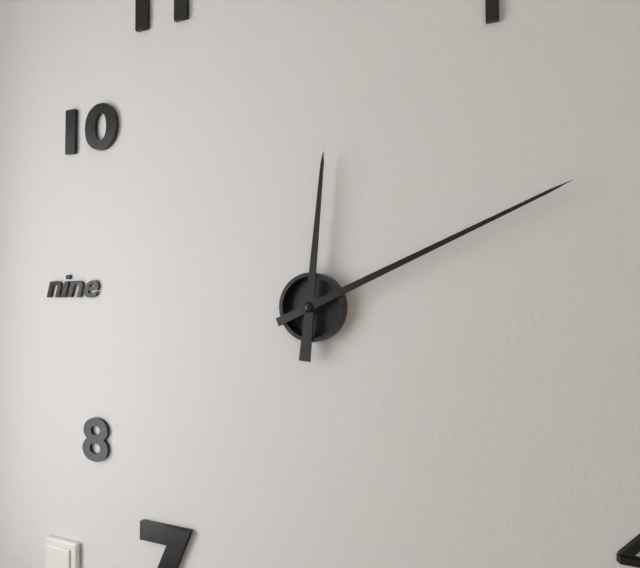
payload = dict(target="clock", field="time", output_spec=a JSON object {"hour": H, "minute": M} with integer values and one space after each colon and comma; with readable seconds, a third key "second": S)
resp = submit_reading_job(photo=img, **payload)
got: {"hour": 12, "minute": 11}
